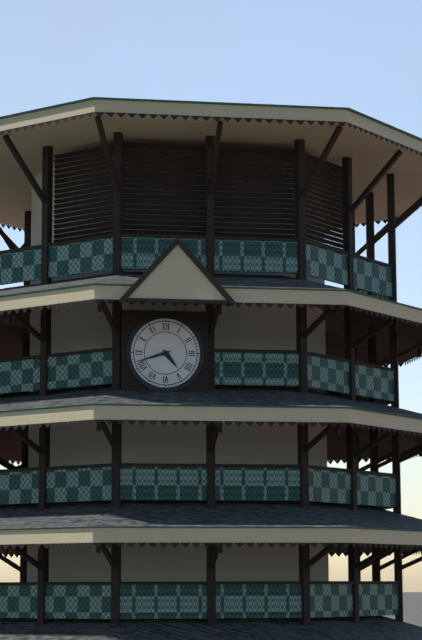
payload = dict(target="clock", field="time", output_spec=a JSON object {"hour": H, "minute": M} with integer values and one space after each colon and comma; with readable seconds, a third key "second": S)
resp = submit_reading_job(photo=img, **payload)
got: {"hour": 4, "minute": 42}
